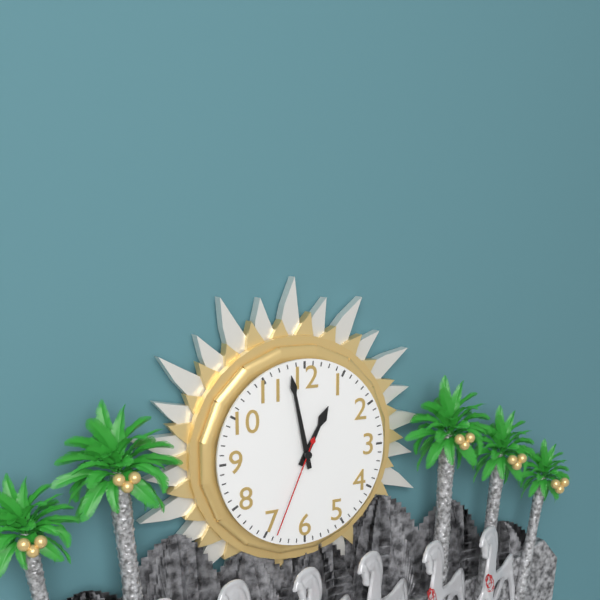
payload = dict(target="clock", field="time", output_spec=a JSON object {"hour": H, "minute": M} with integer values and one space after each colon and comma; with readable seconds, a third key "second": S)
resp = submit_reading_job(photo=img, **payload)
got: {"hour": 12, "minute": 58, "second": 34}
